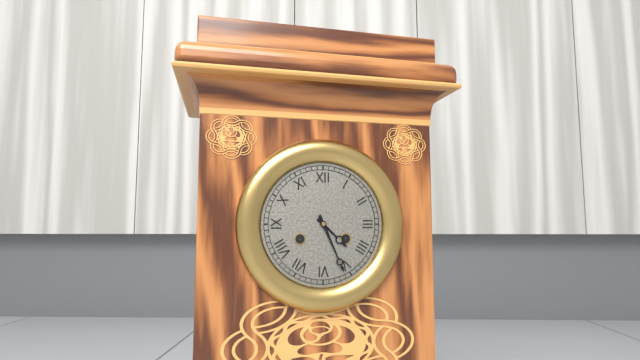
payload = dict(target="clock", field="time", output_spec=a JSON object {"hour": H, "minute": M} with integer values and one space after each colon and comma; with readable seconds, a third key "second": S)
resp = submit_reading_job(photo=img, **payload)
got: {"hour": 4, "minute": 26}
